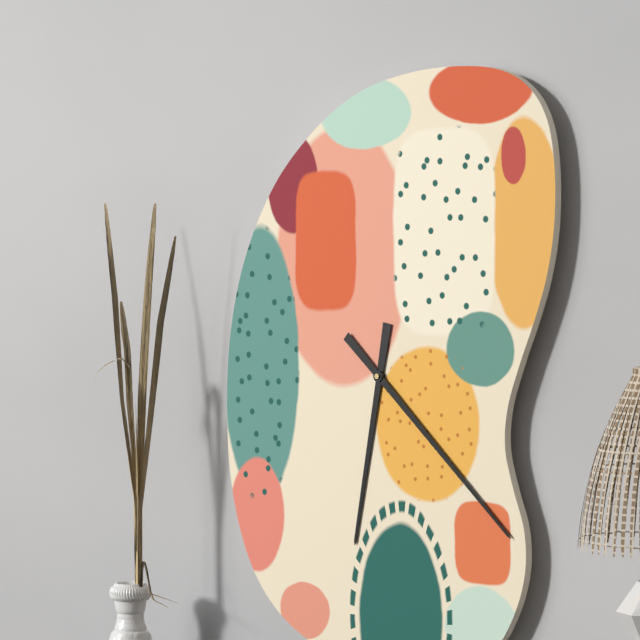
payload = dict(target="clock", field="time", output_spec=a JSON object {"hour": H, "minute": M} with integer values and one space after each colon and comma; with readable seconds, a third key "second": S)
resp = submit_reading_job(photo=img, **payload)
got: {"hour": 6, "minute": 22}
